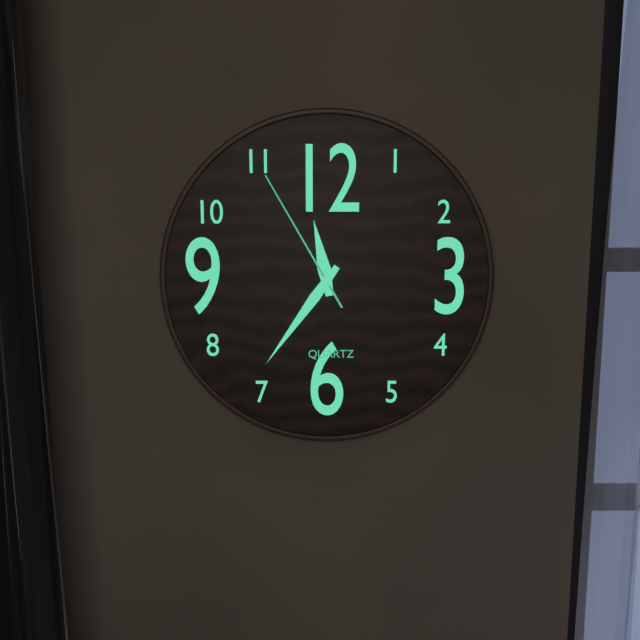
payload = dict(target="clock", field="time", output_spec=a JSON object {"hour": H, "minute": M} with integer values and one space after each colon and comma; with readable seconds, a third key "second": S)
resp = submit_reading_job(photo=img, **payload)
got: {"hour": 11, "minute": 36, "second": 55}
